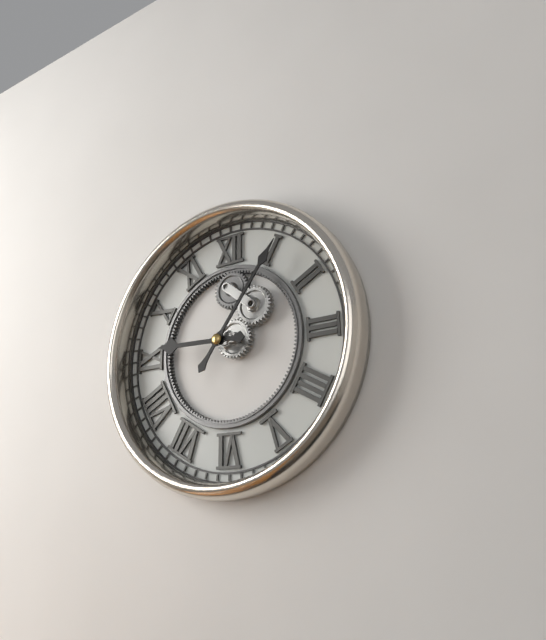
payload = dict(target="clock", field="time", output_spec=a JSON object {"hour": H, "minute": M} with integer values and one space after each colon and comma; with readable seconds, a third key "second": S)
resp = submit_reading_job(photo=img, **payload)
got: {"hour": 9, "minute": 6}
